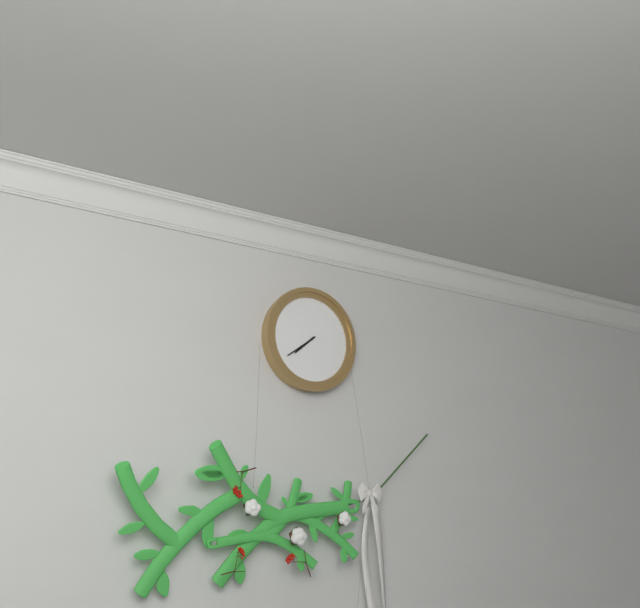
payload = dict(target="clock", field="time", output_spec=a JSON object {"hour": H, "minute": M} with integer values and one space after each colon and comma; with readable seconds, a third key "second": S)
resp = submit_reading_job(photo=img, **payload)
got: {"hour": 7, "minute": 39}
